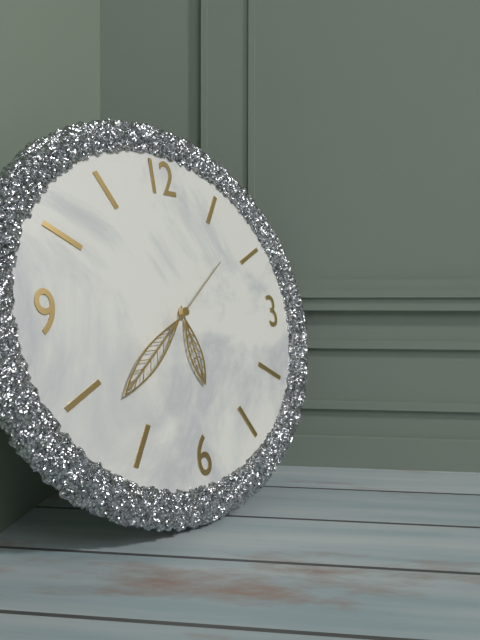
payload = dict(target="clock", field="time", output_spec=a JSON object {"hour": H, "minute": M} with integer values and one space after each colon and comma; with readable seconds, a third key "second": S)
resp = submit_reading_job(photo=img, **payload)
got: {"hour": 5, "minute": 38, "second": 8}
